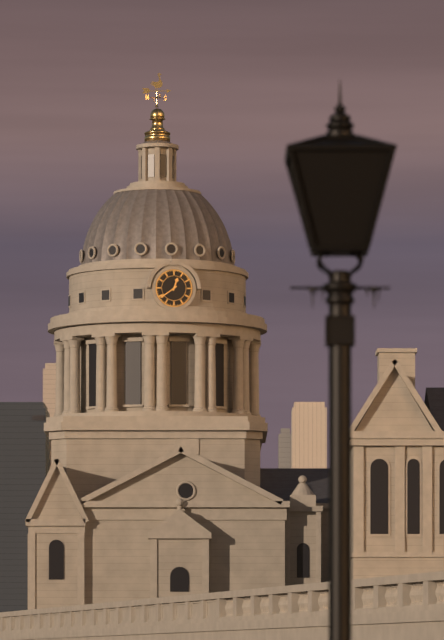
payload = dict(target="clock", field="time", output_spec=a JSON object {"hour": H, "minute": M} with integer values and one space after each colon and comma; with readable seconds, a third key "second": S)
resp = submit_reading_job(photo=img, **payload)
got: {"hour": 12, "minute": 39}
